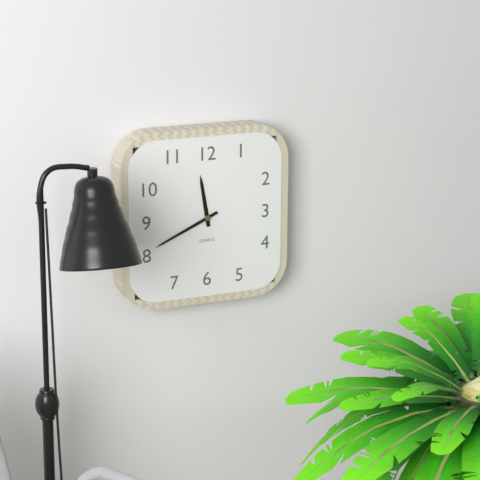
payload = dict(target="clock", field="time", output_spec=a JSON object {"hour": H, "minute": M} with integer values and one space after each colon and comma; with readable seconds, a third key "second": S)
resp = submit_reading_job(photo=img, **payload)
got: {"hour": 11, "minute": 41}
